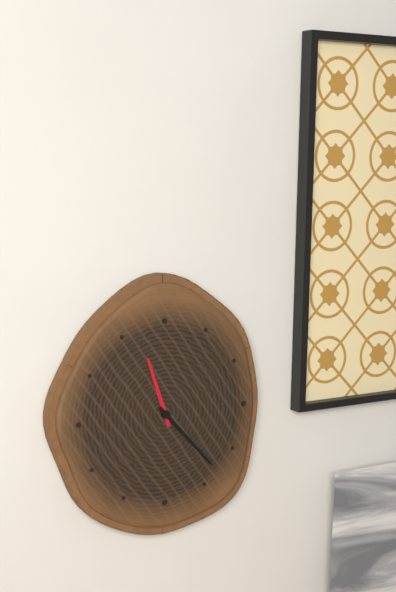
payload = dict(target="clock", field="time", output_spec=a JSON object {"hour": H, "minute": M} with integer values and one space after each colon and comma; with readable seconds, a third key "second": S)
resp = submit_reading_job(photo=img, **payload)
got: {"hour": 11, "minute": 23}
